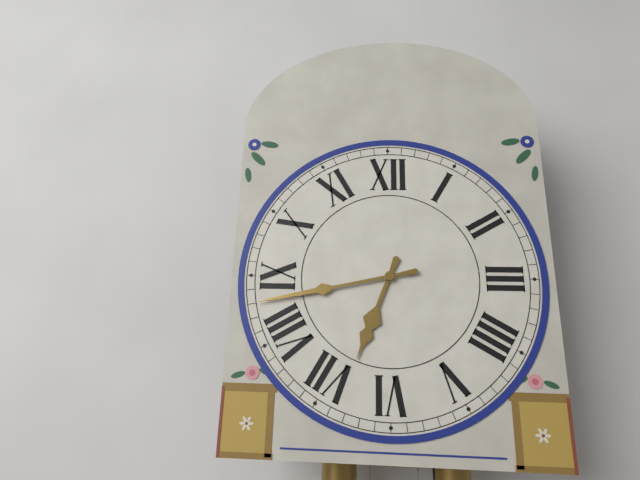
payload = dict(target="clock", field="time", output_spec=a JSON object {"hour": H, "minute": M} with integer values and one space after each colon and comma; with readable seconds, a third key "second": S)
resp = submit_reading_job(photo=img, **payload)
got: {"hour": 6, "minute": 43}
